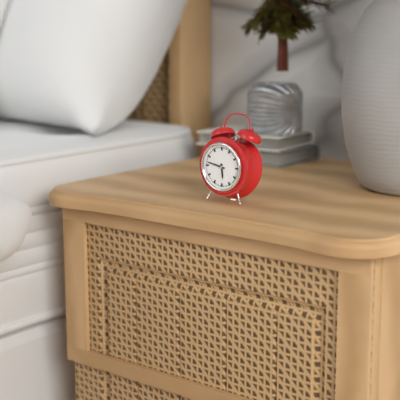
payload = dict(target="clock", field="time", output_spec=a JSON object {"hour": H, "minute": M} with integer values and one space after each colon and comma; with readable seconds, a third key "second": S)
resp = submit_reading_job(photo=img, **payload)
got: {"hour": 5, "minute": 47}
